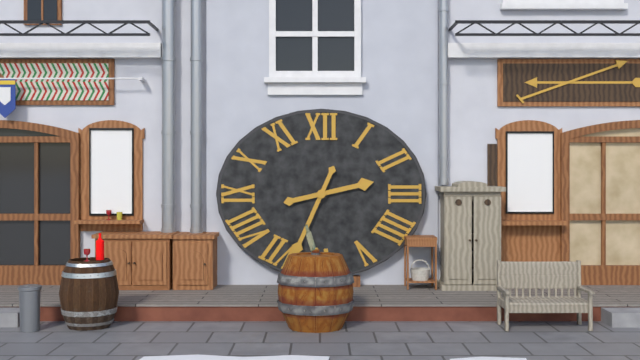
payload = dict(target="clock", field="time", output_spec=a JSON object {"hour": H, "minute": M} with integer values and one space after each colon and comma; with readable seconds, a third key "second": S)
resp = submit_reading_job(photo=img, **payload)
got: {"hour": 2, "minute": 34}
